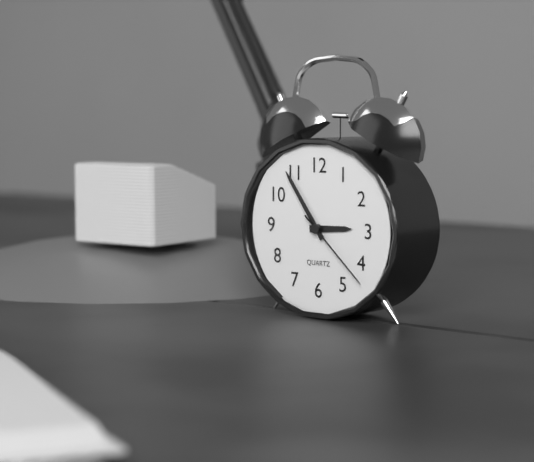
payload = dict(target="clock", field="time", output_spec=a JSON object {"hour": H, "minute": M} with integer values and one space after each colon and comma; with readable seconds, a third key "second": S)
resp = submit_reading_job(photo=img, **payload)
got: {"hour": 2, "minute": 54, "second": 22}
